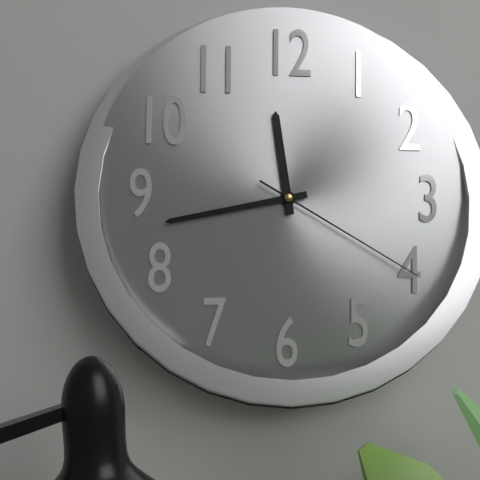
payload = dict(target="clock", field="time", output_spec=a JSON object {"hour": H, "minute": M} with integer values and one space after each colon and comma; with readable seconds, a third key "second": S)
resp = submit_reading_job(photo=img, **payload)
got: {"hour": 11, "minute": 43, "second": 20}
